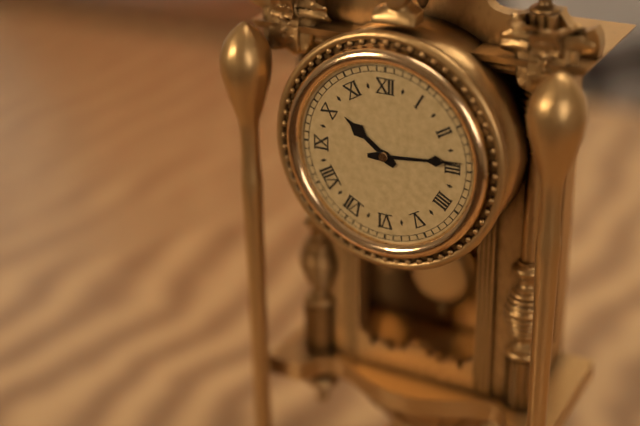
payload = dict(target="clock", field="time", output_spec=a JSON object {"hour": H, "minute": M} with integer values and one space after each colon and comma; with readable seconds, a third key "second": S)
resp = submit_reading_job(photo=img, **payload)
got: {"hour": 10, "minute": 14}
